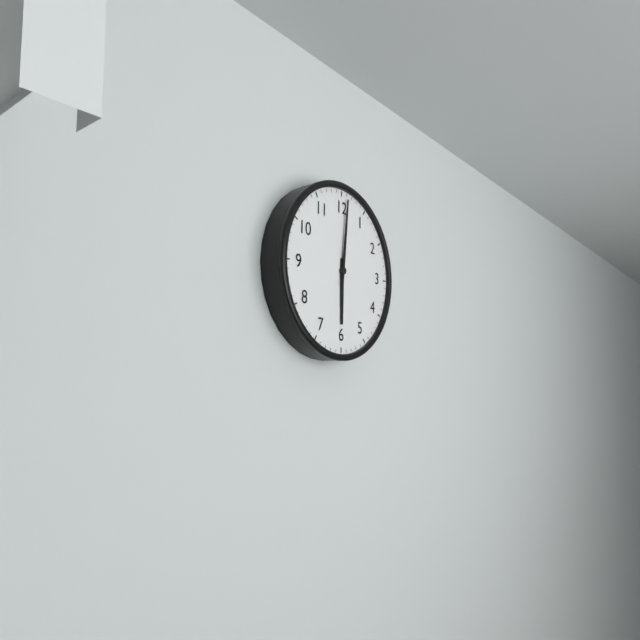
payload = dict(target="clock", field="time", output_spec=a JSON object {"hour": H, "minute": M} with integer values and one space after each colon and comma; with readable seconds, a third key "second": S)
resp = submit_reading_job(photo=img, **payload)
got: {"hour": 6, "minute": 1}
